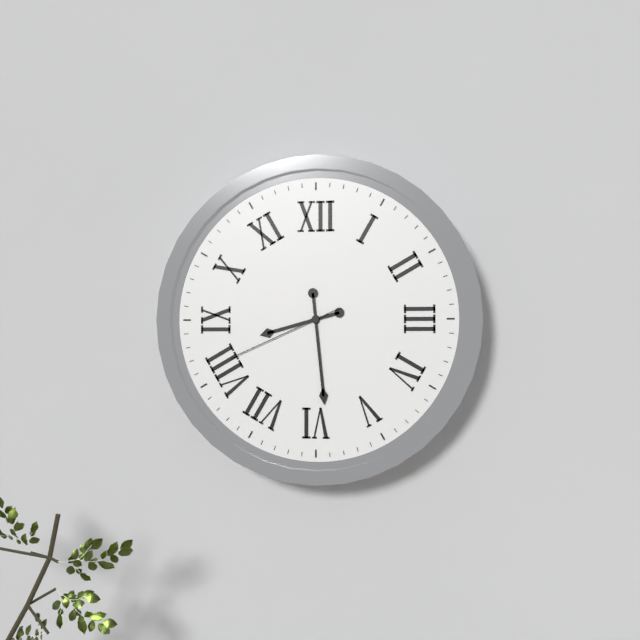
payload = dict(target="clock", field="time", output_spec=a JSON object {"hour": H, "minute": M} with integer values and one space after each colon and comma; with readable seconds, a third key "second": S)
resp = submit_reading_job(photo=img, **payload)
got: {"hour": 8, "minute": 29, "second": 41}
